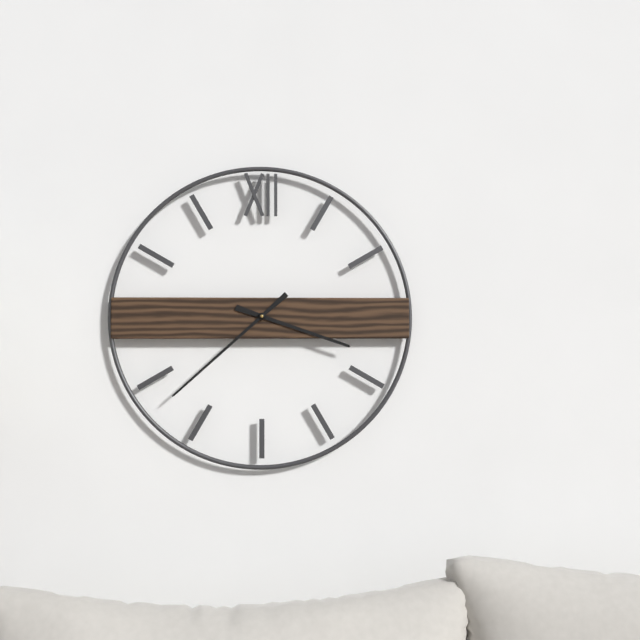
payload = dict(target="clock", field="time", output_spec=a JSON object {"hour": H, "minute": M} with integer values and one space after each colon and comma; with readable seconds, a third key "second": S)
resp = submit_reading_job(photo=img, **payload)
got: {"hour": 3, "minute": 38}
